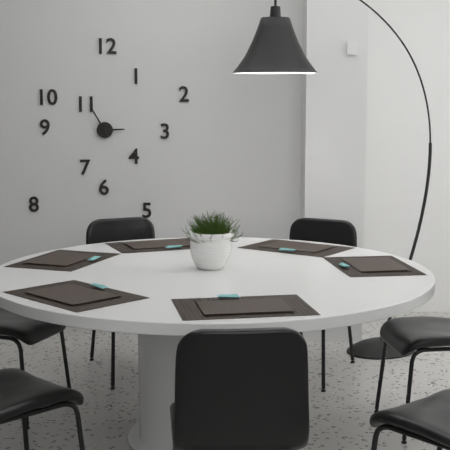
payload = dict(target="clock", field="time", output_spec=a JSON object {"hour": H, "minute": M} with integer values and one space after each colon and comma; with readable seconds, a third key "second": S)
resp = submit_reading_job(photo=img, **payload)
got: {"hour": 2, "minute": 55}
